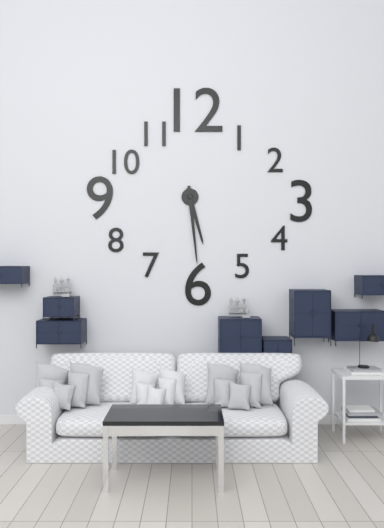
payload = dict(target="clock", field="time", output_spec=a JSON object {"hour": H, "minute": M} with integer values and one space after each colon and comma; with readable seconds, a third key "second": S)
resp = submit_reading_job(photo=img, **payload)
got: {"hour": 5, "minute": 29}
